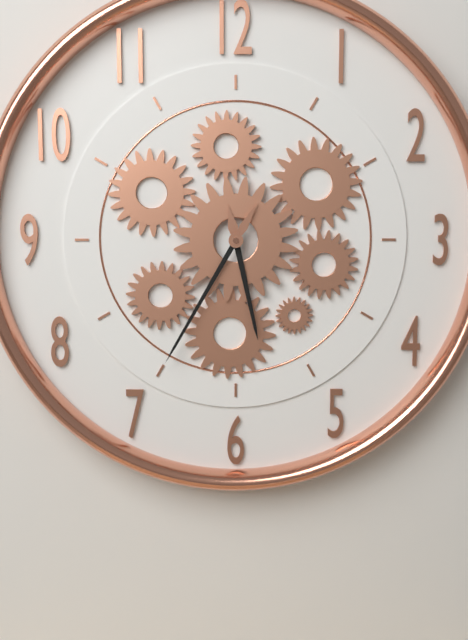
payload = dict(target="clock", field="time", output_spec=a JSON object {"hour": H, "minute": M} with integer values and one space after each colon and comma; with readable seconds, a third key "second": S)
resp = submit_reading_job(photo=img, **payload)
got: {"hour": 5, "minute": 35}
